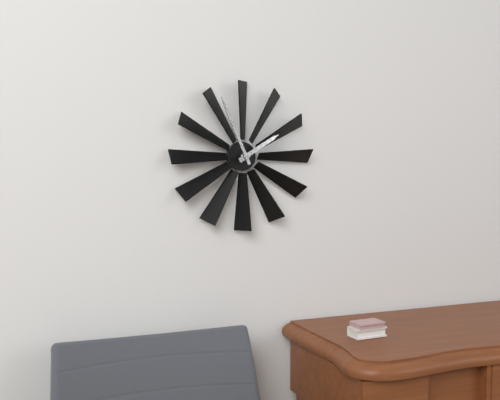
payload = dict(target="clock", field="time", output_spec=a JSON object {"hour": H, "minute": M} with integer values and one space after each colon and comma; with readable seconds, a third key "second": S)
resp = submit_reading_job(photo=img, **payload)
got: {"hour": 1, "minute": 56}
